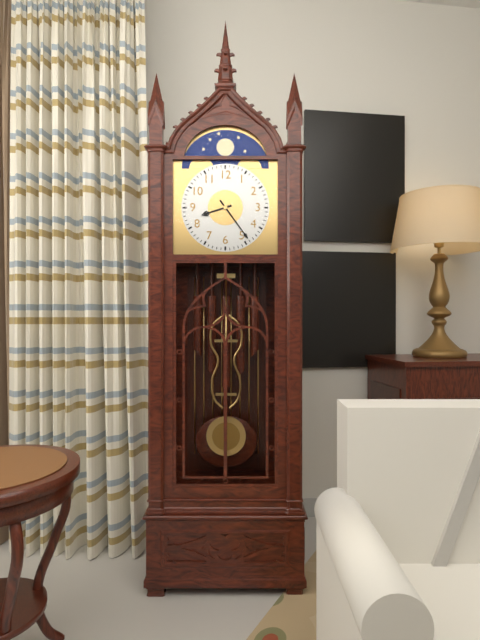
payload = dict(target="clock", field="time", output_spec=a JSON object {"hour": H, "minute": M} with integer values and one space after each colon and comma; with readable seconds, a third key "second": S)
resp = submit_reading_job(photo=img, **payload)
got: {"hour": 8, "minute": 24}
